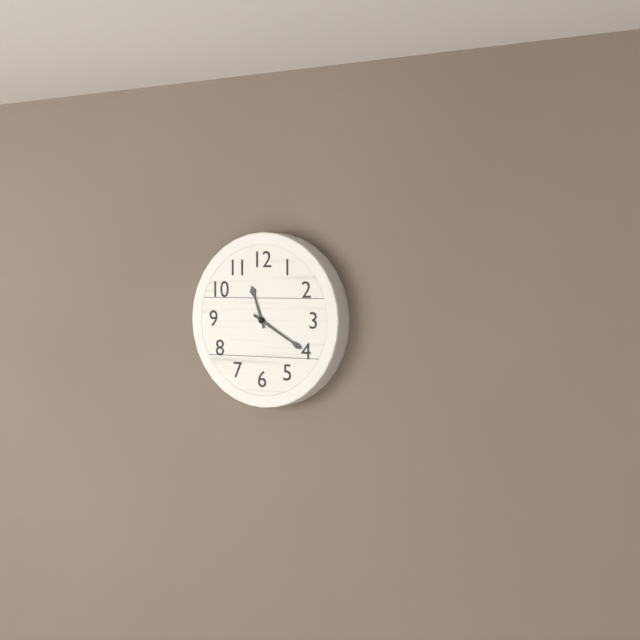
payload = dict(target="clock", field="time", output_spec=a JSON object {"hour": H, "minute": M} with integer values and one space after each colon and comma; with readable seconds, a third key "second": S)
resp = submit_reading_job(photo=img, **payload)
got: {"hour": 11, "minute": 20}
